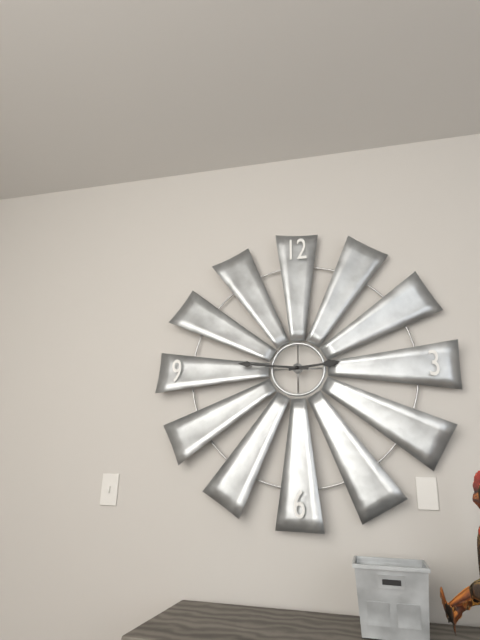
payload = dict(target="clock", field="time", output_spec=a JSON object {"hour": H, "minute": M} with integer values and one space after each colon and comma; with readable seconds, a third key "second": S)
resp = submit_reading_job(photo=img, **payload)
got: {"hour": 2, "minute": 46}
